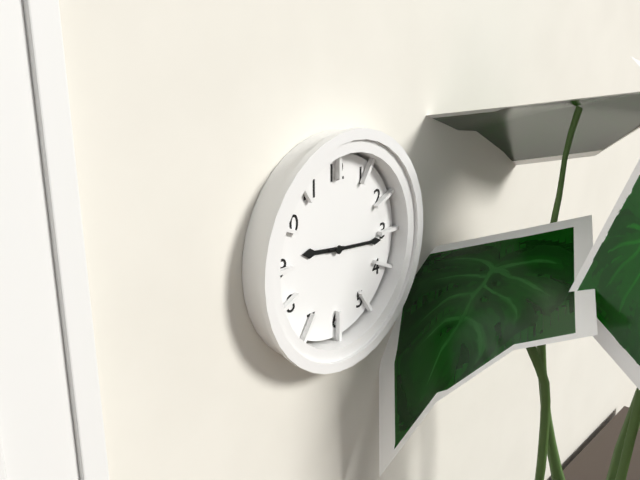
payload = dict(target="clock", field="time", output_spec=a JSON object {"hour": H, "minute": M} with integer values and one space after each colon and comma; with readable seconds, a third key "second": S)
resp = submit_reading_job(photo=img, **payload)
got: {"hour": 9, "minute": 16}
